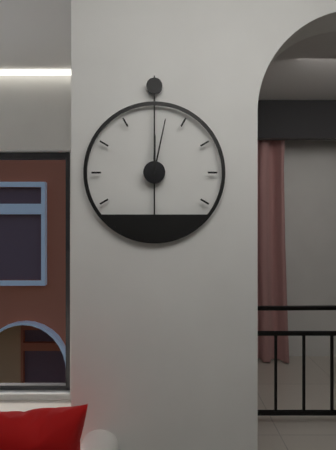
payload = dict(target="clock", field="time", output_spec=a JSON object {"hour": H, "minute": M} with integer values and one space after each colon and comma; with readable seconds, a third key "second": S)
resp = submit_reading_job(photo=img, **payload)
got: {"hour": 12, "minute": 2}
